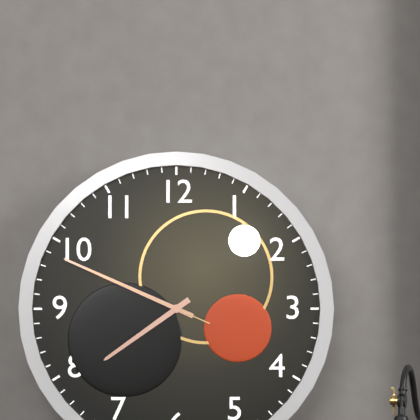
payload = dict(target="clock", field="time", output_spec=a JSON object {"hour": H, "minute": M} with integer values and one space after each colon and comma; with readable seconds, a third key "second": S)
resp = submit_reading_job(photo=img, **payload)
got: {"hour": 7, "minute": 49, "second": 49}
